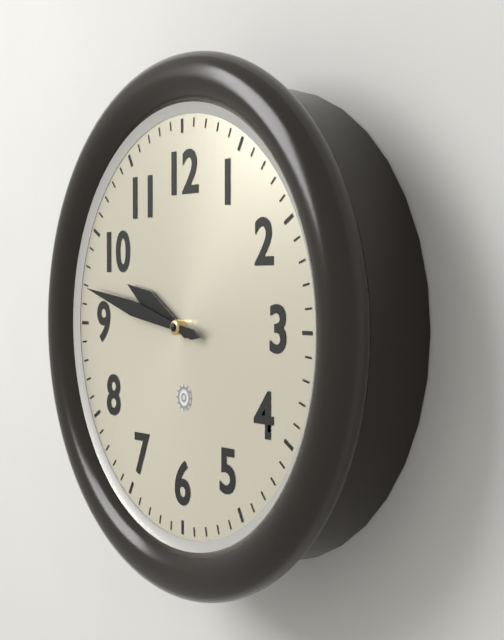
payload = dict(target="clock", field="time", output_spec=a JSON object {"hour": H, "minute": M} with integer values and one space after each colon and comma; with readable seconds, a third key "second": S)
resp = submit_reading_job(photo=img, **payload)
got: {"hour": 9, "minute": 47}
